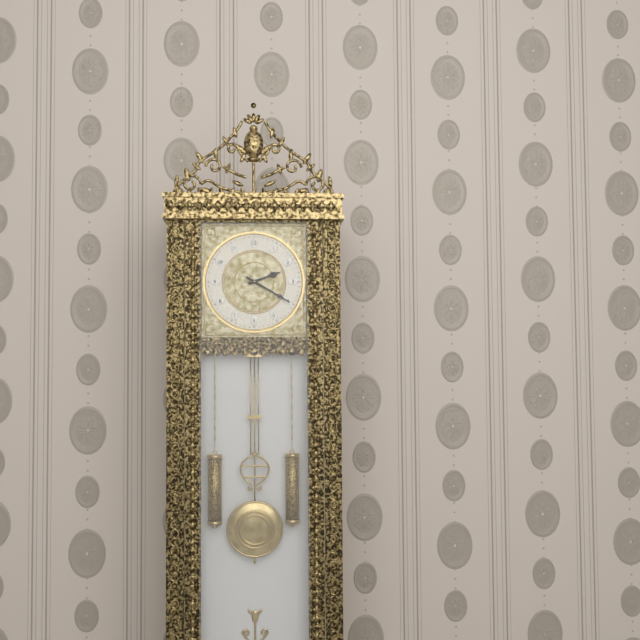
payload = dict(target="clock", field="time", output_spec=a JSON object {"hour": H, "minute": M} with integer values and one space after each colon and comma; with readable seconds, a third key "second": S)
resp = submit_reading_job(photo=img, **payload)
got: {"hour": 2, "minute": 20}
